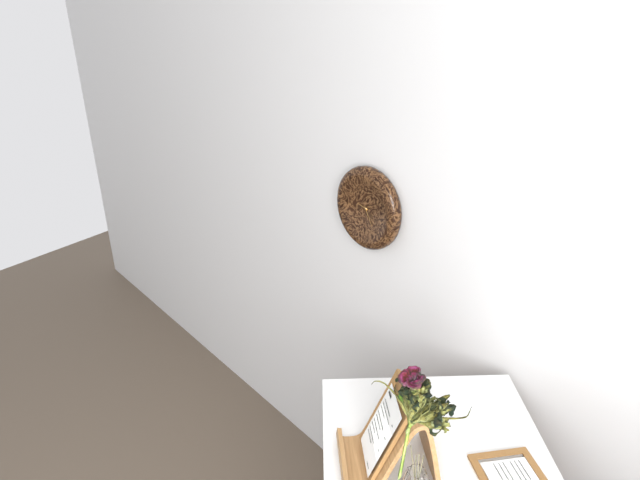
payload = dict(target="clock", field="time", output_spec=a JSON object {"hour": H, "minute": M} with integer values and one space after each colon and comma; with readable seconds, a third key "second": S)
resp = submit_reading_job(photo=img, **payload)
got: {"hour": 9, "minute": 25}
